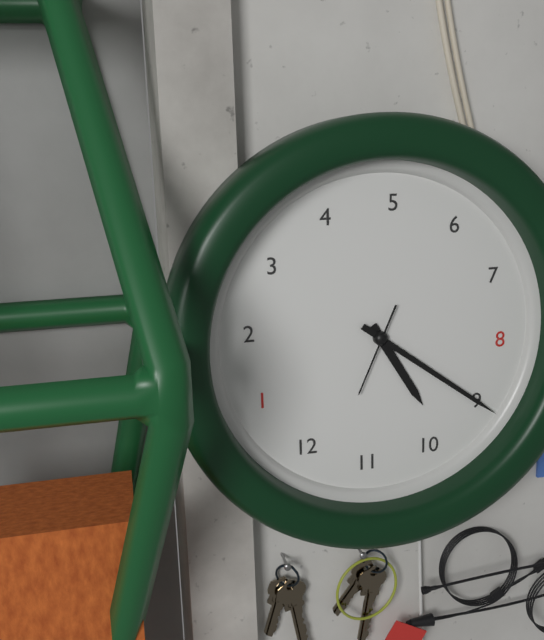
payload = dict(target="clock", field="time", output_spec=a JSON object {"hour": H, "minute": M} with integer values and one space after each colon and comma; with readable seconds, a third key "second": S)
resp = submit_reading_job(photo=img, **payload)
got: {"hour": 9, "minute": 45, "second": 58}
